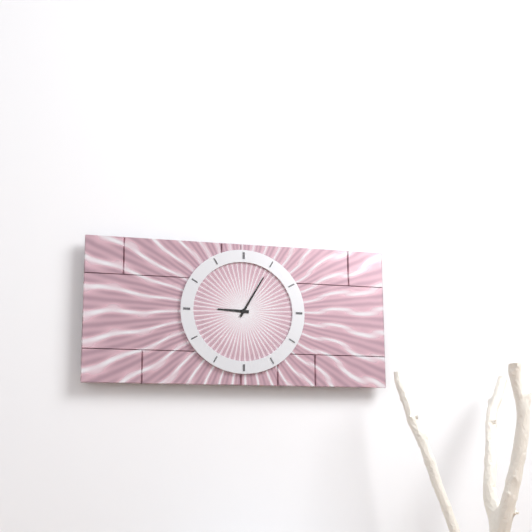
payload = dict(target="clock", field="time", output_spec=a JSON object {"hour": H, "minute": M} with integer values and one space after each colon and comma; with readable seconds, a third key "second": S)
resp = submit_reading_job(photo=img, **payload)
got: {"hour": 9, "minute": 5}
